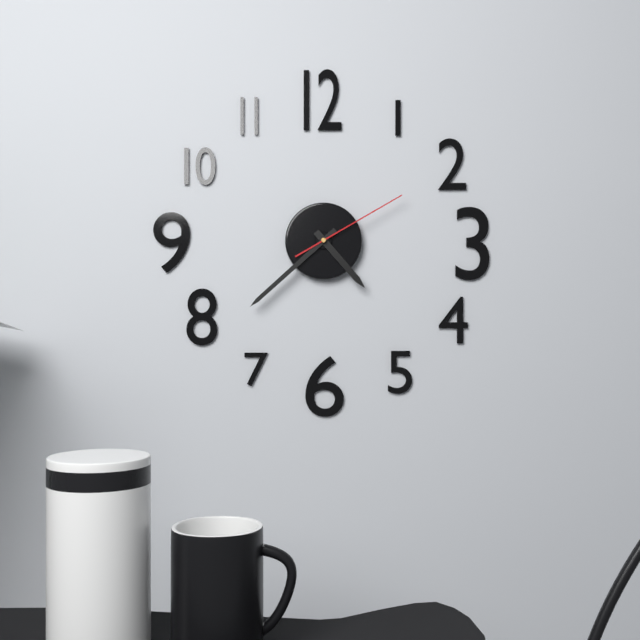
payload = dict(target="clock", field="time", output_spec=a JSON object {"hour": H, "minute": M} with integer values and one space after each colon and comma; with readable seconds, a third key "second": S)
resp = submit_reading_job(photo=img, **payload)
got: {"hour": 4, "minute": 38, "second": 10}
